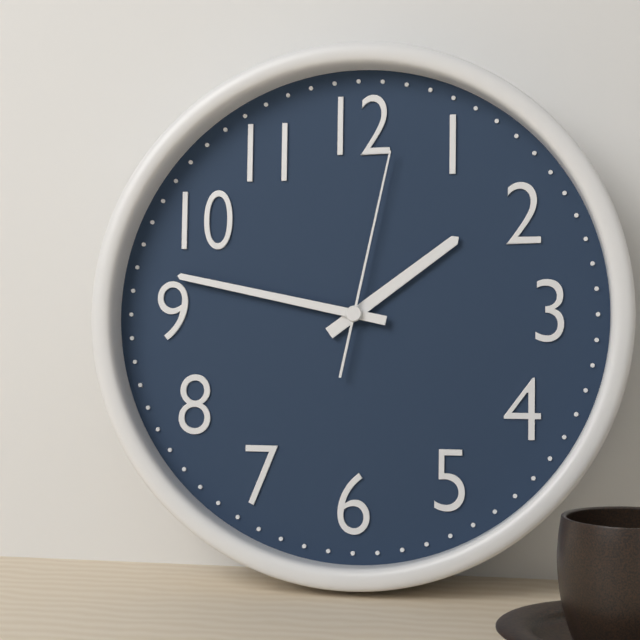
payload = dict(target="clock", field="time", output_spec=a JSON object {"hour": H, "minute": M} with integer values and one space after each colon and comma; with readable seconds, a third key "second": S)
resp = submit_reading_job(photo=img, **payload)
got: {"hour": 1, "minute": 47, "second": 2}
